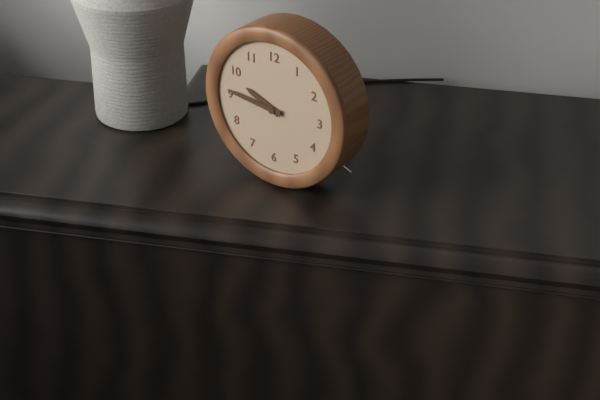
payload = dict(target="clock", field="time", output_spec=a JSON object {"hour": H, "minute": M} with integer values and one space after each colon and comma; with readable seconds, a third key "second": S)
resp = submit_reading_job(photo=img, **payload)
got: {"hour": 9, "minute": 46}
